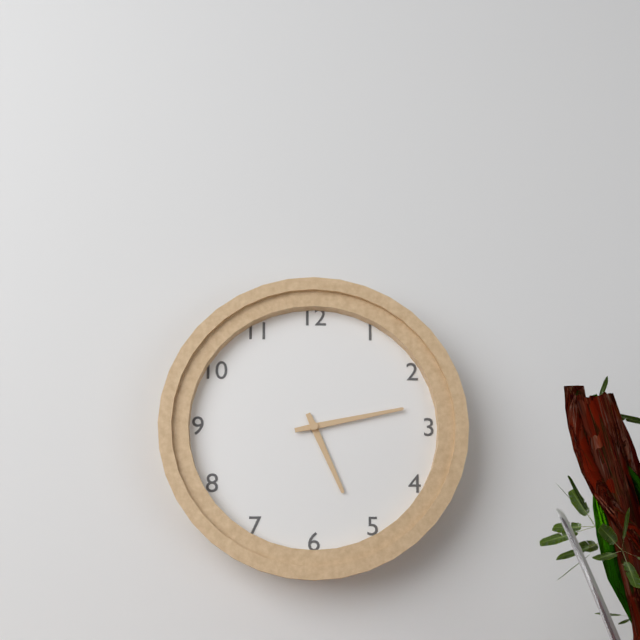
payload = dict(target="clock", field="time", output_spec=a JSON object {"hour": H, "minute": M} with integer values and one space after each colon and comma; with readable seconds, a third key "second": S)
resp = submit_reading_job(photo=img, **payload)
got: {"hour": 5, "minute": 13}
